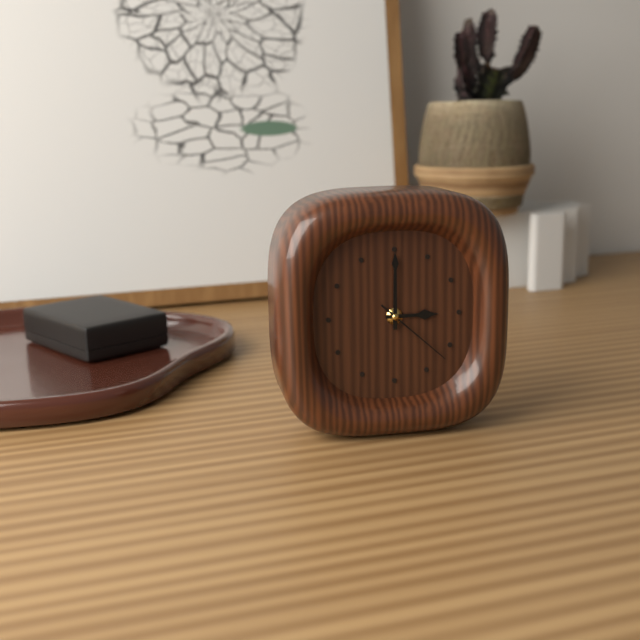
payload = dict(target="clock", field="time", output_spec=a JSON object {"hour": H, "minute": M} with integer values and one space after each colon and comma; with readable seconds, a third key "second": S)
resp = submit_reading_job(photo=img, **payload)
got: {"hour": 3, "minute": 0, "second": 22}
